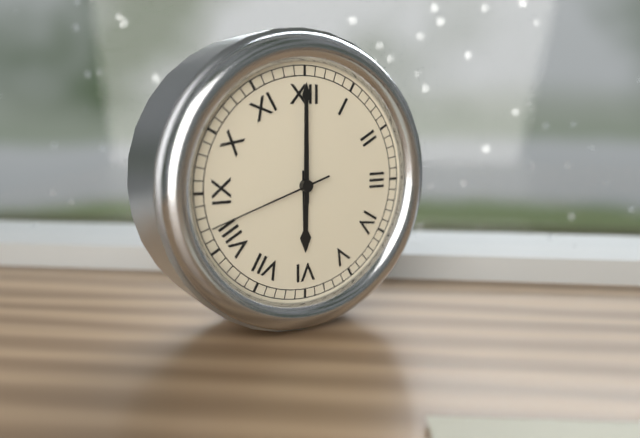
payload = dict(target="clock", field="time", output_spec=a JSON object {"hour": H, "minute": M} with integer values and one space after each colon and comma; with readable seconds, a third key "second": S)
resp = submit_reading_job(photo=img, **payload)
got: {"hour": 6, "minute": 0, "second": 42}
